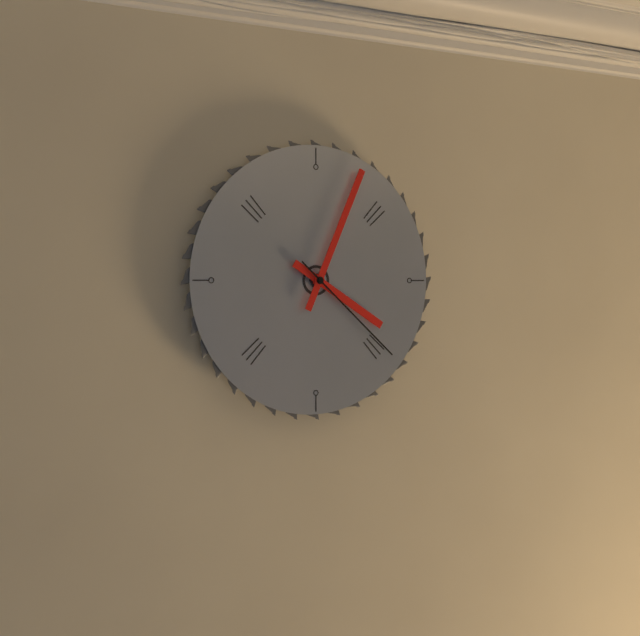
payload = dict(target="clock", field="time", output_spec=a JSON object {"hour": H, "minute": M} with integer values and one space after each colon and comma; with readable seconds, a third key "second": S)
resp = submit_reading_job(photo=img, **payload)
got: {"hour": 4, "minute": 4, "second": 22}
